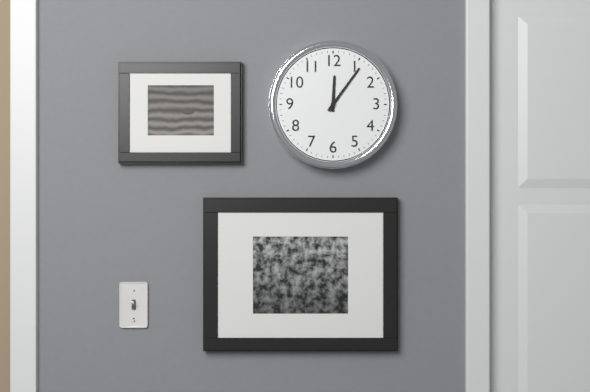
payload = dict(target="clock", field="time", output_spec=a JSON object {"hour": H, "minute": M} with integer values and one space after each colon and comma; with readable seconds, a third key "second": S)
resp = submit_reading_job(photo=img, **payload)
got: {"hour": 12, "minute": 6}
